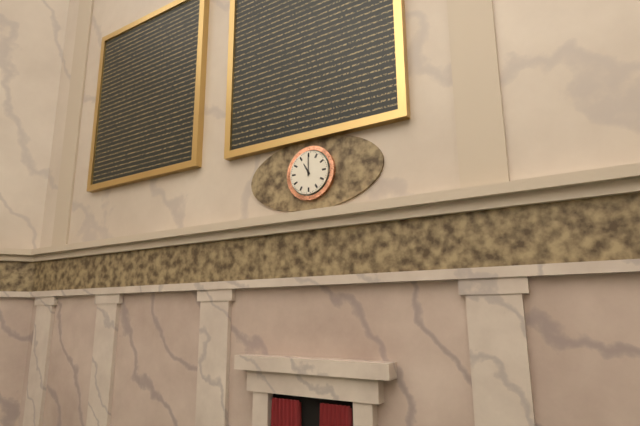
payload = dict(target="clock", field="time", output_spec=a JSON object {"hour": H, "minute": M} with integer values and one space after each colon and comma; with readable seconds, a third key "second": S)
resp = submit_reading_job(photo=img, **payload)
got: {"hour": 11, "minute": 0}
